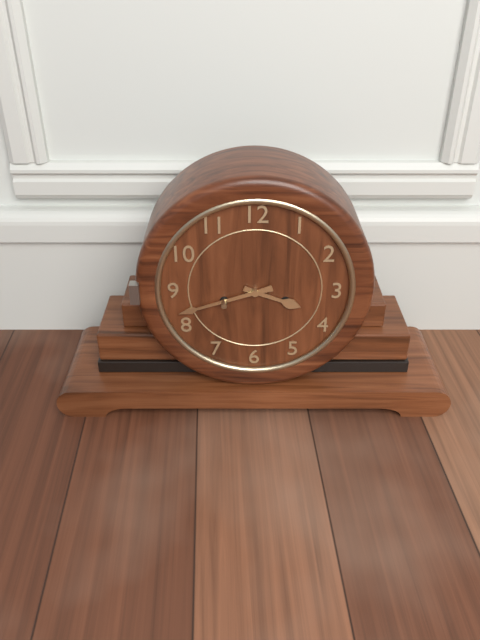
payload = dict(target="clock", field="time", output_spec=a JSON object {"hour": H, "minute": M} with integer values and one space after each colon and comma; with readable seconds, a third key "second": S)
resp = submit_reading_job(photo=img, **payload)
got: {"hour": 3, "minute": 42}
